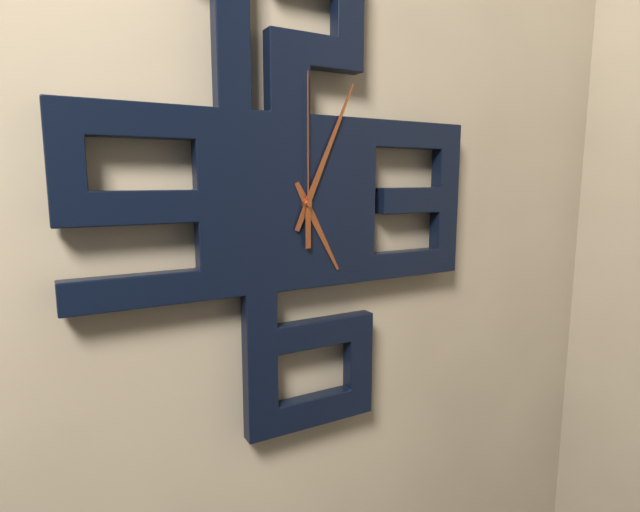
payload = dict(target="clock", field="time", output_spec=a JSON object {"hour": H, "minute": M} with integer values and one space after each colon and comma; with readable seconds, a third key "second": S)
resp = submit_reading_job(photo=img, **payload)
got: {"hour": 5, "minute": 4, "second": 0}
